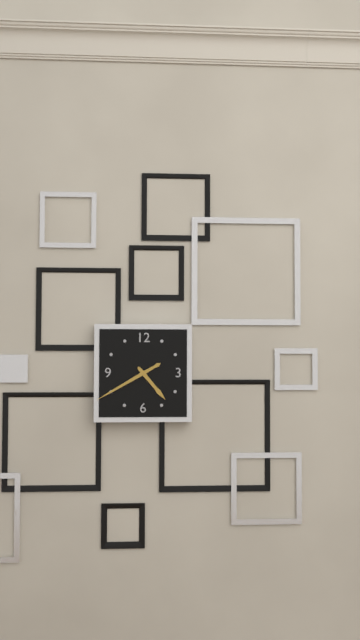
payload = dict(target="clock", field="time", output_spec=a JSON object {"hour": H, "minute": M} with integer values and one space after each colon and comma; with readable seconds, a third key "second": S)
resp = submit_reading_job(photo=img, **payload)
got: {"hour": 4, "minute": 40}
